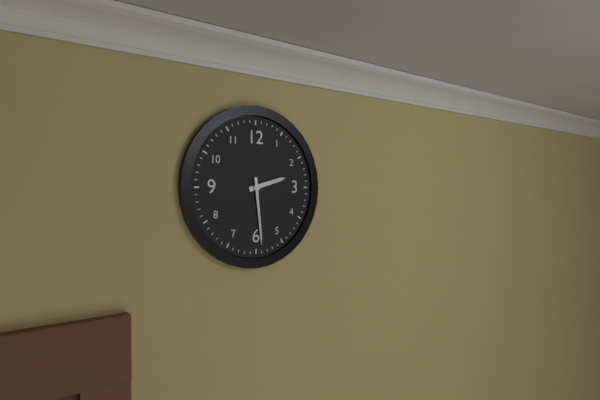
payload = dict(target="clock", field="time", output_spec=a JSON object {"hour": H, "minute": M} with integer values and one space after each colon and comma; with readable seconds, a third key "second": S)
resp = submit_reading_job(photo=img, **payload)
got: {"hour": 2, "minute": 29}
